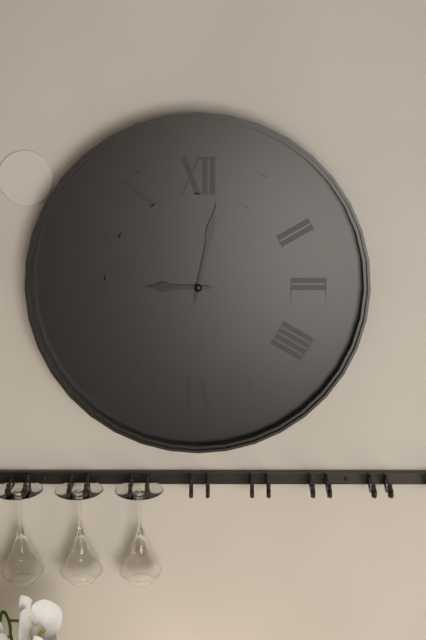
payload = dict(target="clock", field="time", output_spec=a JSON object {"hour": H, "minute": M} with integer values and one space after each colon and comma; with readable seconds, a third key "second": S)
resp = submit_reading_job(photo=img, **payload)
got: {"hour": 9, "minute": 2}
